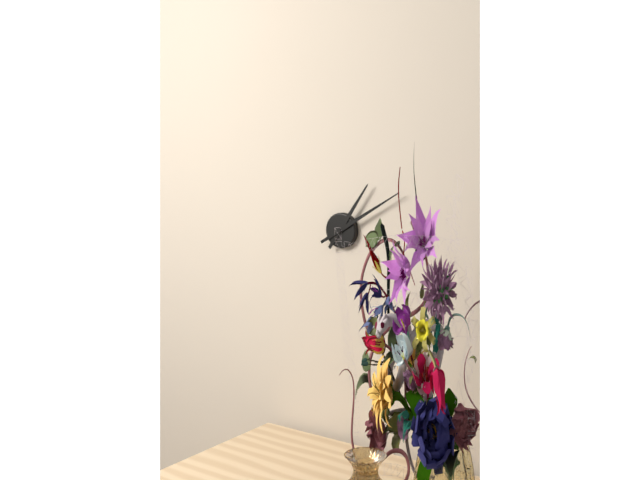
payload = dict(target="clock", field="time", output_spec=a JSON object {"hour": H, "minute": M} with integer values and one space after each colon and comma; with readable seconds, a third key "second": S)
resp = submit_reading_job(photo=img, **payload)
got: {"hour": 1, "minute": 10}
